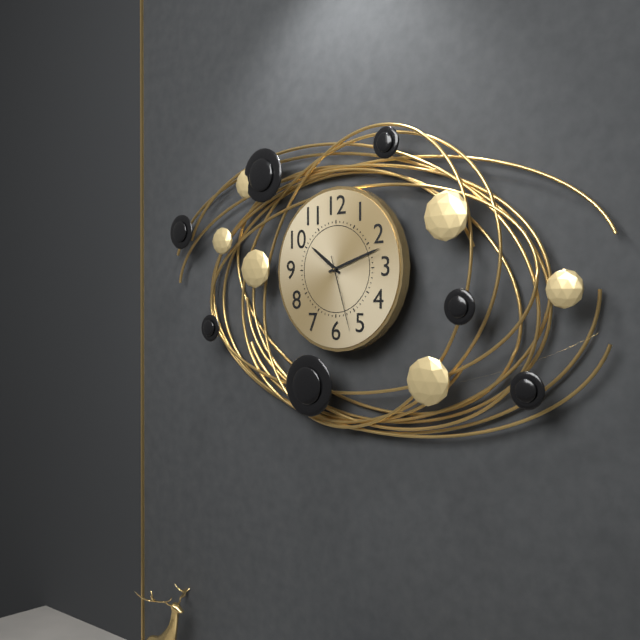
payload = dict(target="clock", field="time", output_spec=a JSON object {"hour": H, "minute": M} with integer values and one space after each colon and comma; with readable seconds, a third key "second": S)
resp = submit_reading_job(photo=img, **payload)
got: {"hour": 10, "minute": 12, "second": 27}
